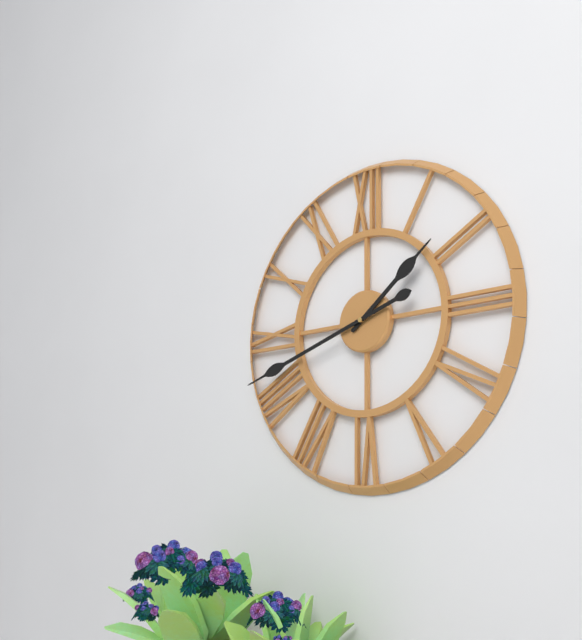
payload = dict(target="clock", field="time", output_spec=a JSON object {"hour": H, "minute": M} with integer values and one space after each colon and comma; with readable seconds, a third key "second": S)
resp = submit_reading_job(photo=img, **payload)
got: {"hour": 1, "minute": 42}
